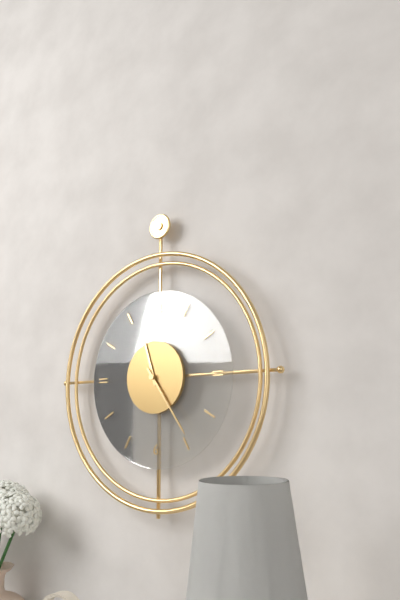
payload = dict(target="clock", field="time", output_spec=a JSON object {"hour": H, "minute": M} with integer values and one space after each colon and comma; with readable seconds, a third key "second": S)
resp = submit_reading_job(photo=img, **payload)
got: {"hour": 11, "minute": 24}
